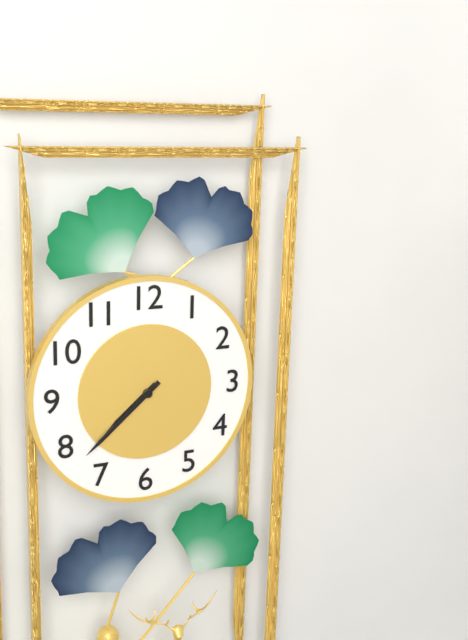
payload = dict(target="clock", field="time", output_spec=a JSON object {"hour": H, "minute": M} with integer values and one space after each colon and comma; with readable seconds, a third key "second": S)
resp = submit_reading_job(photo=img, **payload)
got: {"hour": 7, "minute": 38}
